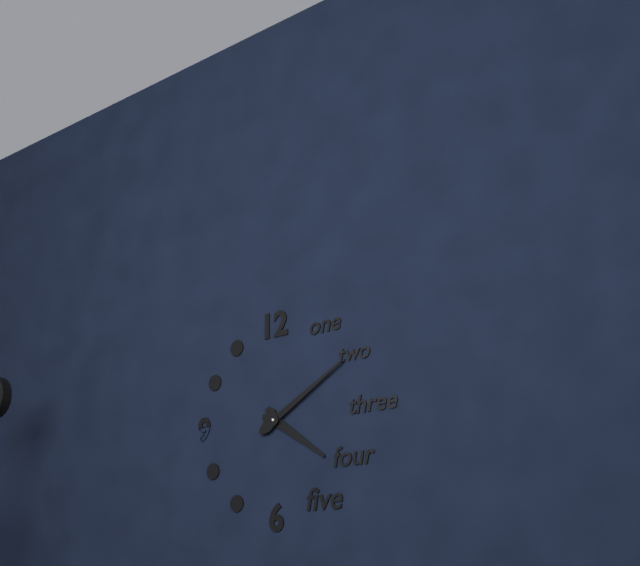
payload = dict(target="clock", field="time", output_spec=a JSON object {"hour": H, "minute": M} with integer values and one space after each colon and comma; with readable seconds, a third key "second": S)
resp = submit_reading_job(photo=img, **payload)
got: {"hour": 4, "minute": 10}
